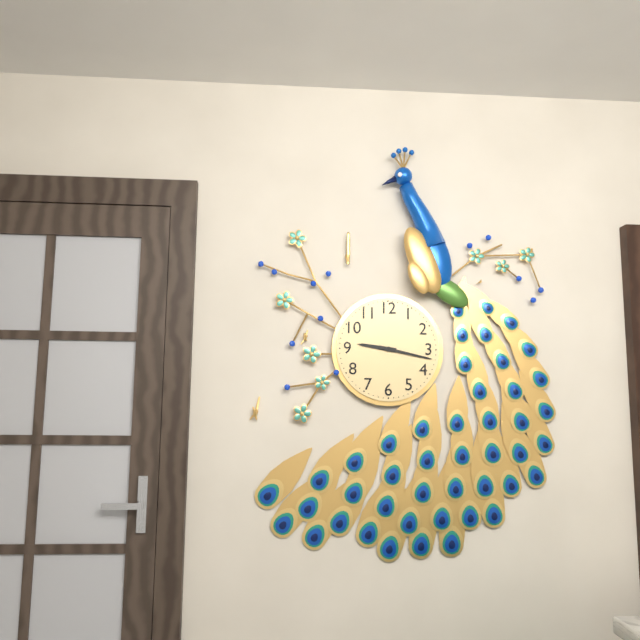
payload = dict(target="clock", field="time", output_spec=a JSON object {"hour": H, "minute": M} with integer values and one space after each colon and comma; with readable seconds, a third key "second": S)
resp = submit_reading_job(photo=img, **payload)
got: {"hour": 9, "minute": 17}
